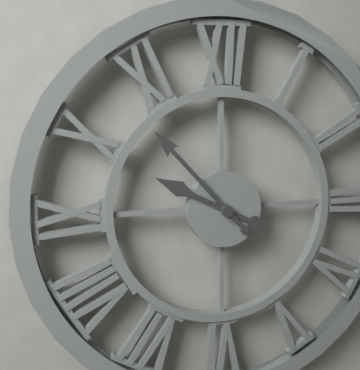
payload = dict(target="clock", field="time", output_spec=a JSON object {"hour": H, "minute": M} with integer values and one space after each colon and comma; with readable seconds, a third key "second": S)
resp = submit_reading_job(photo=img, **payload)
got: {"hour": 9, "minute": 53}
